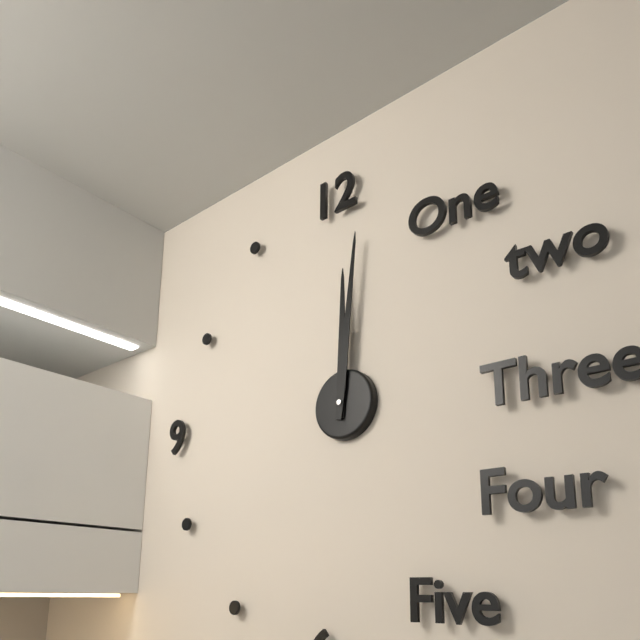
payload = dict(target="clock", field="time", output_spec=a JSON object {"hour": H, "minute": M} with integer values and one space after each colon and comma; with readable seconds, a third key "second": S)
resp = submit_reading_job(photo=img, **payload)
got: {"hour": 12, "minute": 1}
